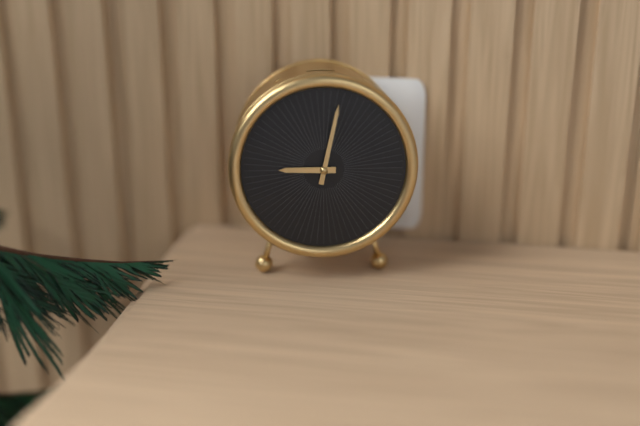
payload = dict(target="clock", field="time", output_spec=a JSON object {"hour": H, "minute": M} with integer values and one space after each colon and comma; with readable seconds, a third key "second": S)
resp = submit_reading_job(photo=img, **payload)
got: {"hour": 9, "minute": 2}
